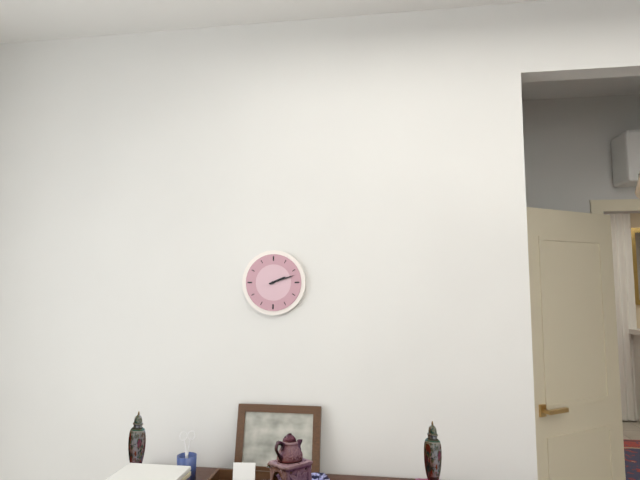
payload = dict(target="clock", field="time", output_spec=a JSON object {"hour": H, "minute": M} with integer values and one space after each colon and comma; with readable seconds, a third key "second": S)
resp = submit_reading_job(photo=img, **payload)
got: {"hour": 2, "minute": 12}
